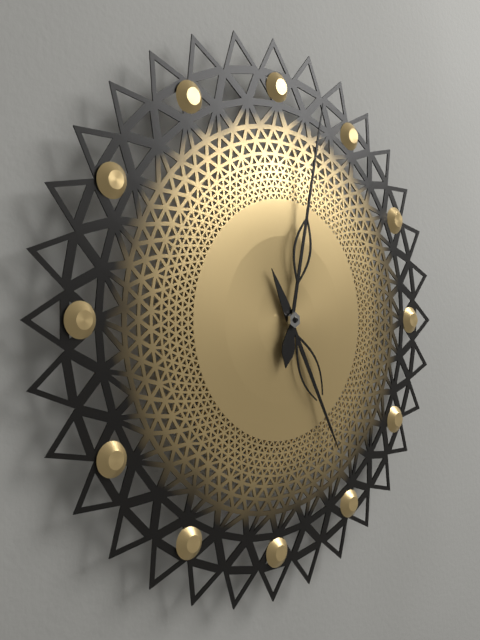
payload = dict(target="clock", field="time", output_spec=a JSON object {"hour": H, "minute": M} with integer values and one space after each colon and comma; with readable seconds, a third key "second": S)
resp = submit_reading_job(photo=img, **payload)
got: {"hour": 5, "minute": 2}
